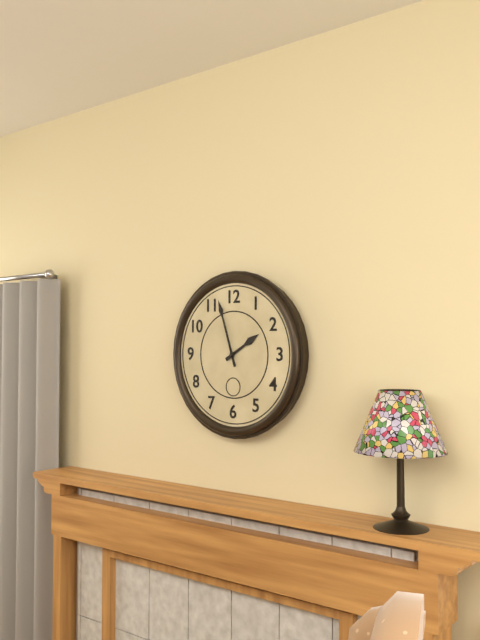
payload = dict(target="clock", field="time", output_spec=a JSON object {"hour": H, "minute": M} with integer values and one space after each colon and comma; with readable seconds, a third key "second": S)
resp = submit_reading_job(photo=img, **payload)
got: {"hour": 1, "minute": 57}
